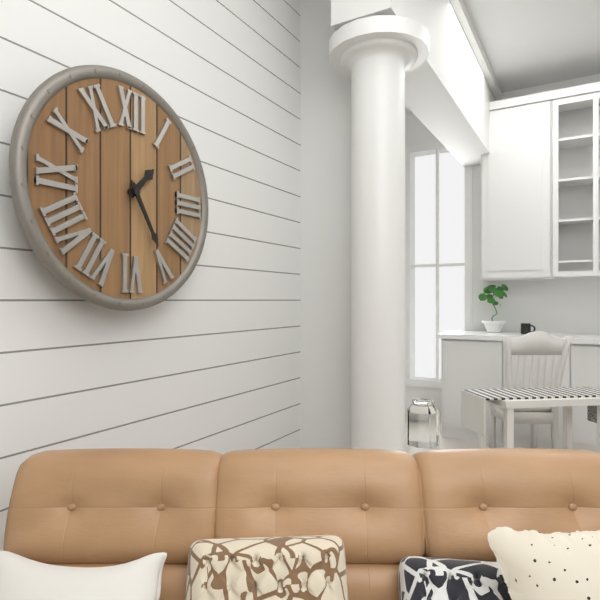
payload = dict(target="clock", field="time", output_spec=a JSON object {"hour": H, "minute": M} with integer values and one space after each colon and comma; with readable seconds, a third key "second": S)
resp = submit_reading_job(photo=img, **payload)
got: {"hour": 1, "minute": 25}
